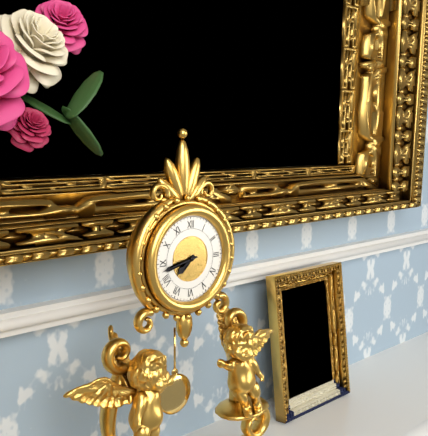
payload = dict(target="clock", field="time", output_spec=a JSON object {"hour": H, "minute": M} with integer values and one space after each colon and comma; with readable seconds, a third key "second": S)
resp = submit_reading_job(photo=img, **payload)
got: {"hour": 7, "minute": 43}
